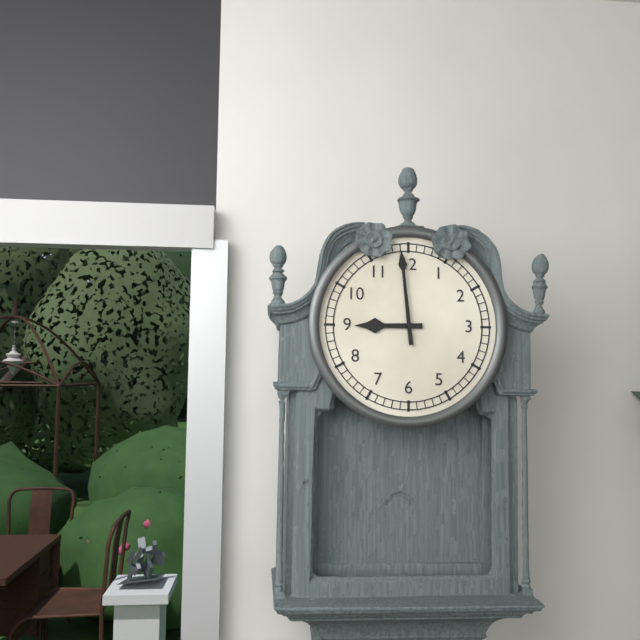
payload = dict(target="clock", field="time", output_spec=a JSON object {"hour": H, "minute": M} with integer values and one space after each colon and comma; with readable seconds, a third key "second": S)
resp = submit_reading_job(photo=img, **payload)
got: {"hour": 8, "minute": 59}
